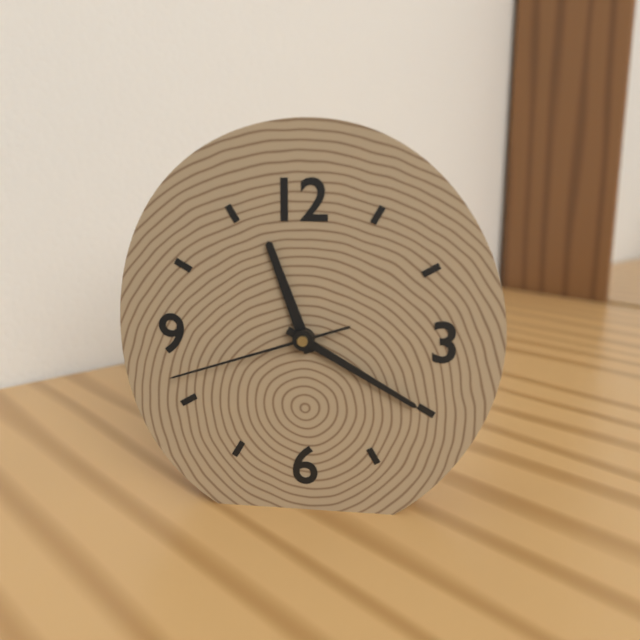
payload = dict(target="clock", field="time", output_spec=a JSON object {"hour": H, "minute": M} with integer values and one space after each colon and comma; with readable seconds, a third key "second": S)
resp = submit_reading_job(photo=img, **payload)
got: {"hour": 11, "minute": 20, "second": 42}
